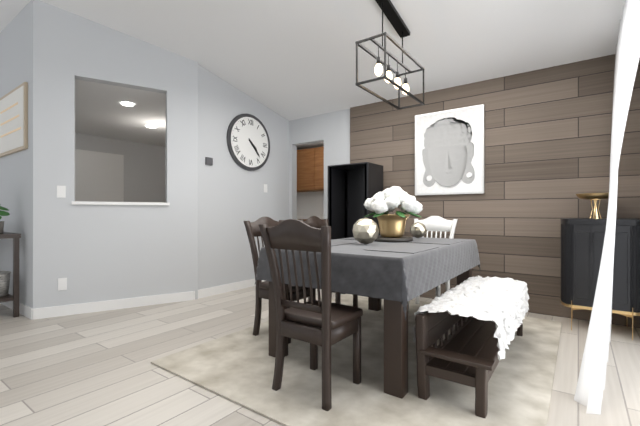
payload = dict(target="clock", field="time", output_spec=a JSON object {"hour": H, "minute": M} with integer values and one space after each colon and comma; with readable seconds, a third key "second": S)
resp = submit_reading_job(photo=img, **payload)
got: {"hour": 4, "minute": 23}
